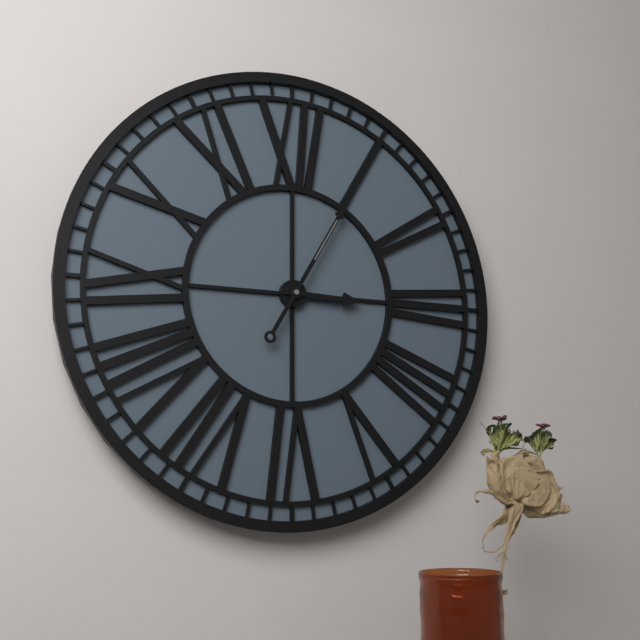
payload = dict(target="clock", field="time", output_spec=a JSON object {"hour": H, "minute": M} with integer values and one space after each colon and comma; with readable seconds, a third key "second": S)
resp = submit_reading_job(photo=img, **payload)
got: {"hour": 3, "minute": 5}
